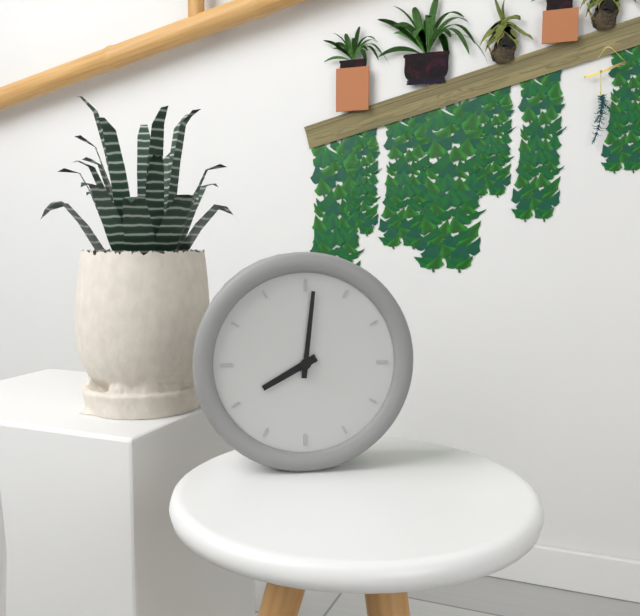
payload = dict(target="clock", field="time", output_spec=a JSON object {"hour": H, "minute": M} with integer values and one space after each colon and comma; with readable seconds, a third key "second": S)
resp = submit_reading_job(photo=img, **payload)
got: {"hour": 8, "minute": 1}
